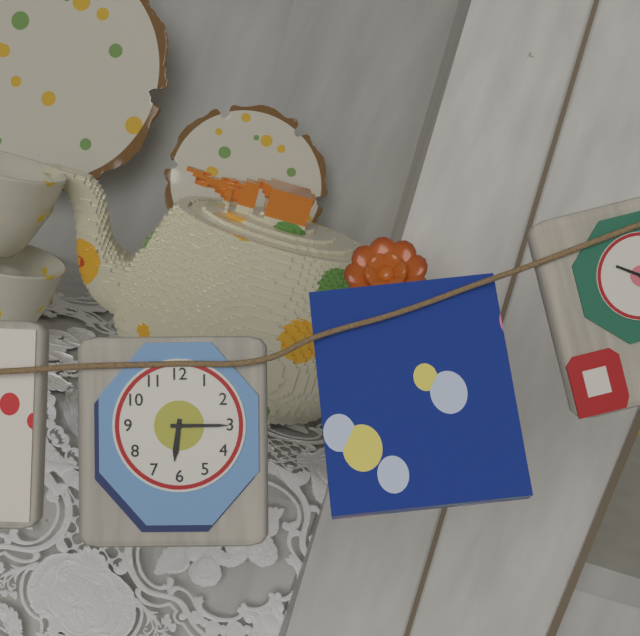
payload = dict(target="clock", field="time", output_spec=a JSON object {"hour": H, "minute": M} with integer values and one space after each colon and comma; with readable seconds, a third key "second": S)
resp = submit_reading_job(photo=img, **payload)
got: {"hour": 6, "minute": 15}
